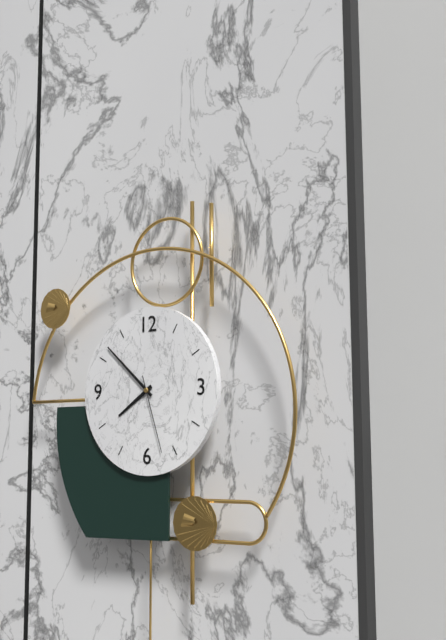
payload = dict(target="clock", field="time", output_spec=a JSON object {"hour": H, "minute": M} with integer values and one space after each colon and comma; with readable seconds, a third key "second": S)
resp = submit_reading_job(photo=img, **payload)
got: {"hour": 7, "minute": 52, "second": 27}
